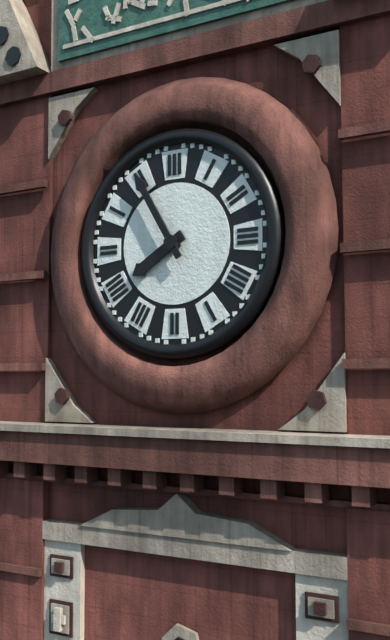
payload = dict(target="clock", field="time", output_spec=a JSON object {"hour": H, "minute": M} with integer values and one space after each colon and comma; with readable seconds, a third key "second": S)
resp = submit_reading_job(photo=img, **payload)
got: {"hour": 7, "minute": 55}
